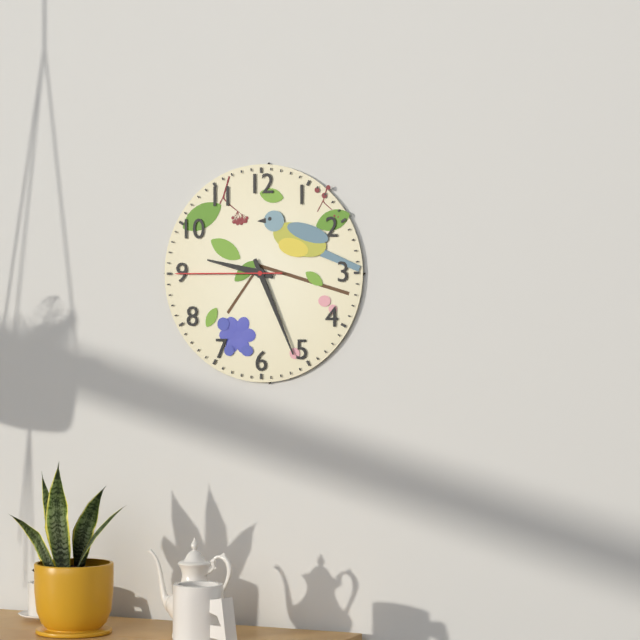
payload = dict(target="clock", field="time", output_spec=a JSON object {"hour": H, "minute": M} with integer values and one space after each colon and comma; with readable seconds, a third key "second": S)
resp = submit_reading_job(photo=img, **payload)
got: {"hour": 9, "minute": 26, "second": 45}
